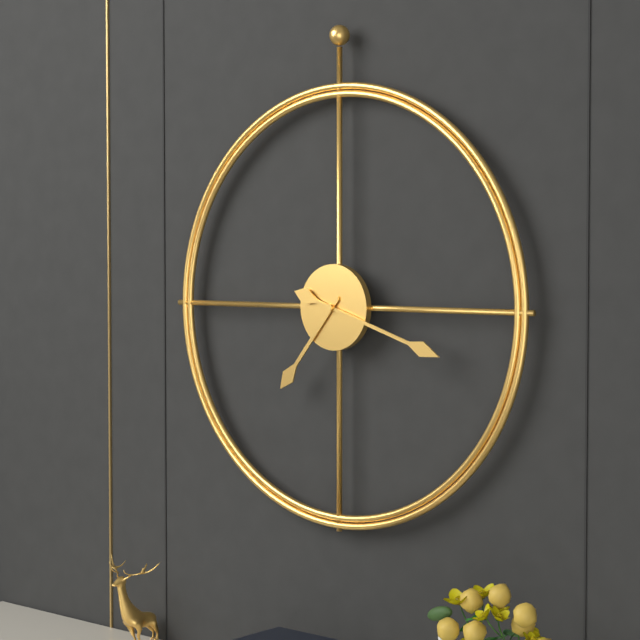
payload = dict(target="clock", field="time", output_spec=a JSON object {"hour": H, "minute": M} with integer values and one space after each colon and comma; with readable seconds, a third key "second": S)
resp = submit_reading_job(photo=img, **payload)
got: {"hour": 7, "minute": 18}
